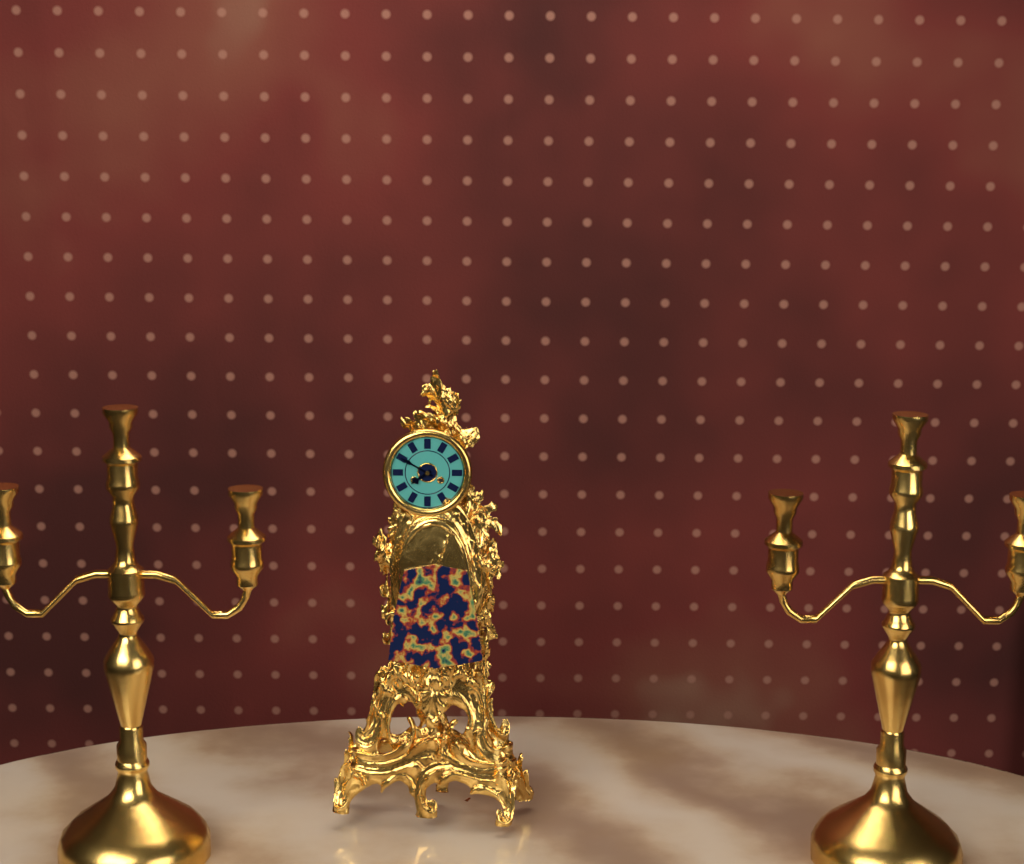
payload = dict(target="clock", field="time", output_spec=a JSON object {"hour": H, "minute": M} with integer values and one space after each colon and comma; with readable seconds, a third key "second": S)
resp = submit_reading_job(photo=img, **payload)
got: {"hour": 7, "minute": 50}
